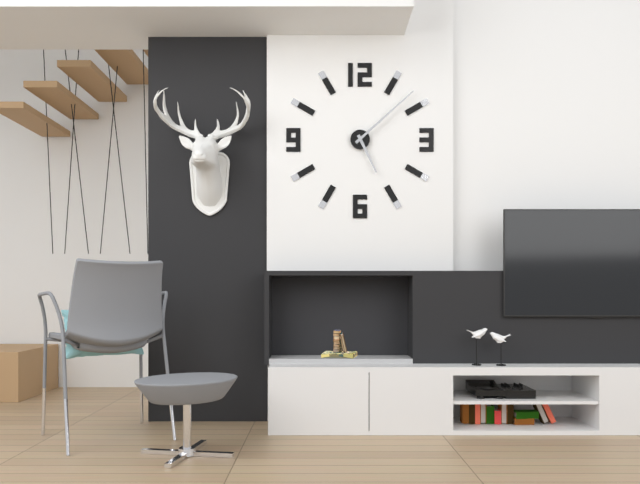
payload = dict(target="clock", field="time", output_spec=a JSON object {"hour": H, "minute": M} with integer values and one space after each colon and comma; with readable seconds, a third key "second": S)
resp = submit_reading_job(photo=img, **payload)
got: {"hour": 5, "minute": 8}
